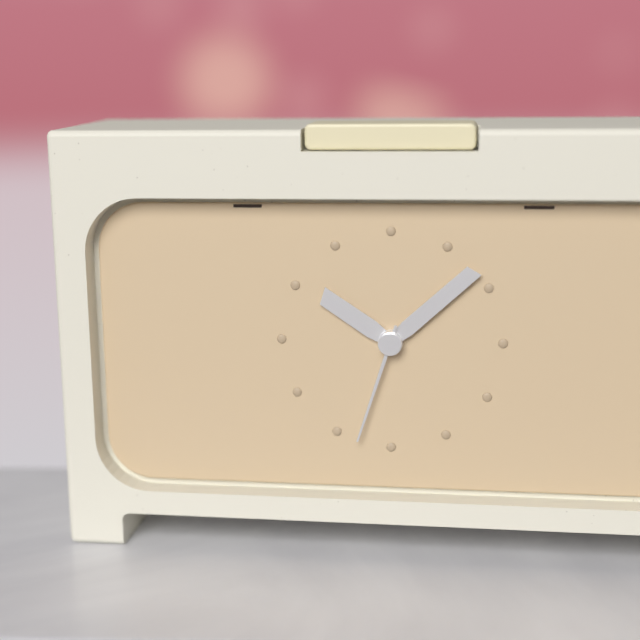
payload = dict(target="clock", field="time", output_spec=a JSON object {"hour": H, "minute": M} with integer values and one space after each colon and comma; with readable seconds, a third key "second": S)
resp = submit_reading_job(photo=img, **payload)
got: {"hour": 10, "minute": 8, "second": 33}
